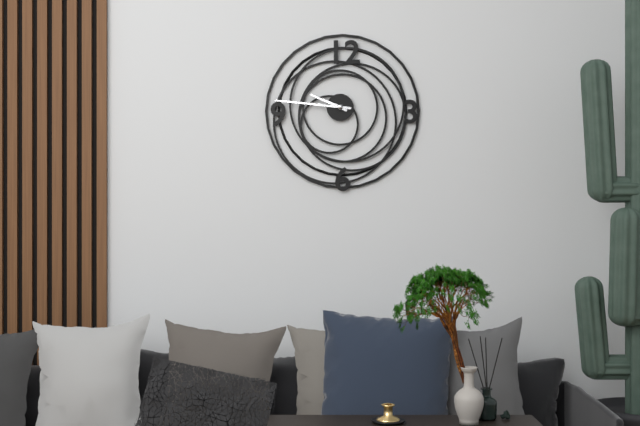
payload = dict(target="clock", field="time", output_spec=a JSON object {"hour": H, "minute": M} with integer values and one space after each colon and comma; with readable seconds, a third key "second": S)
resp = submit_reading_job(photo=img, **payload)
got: {"hour": 9, "minute": 46}
